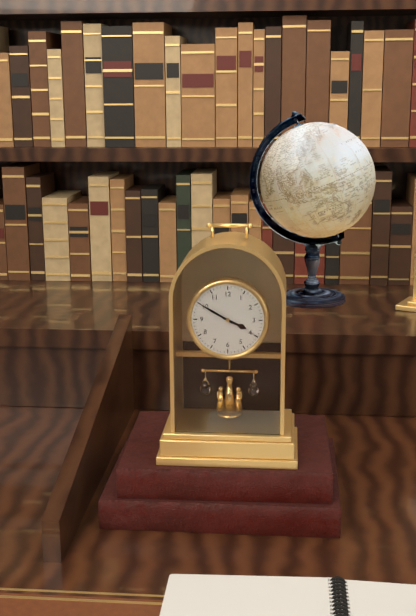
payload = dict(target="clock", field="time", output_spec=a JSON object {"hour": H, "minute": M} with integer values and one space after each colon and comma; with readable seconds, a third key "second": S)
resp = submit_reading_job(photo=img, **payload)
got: {"hour": 3, "minute": 50}
